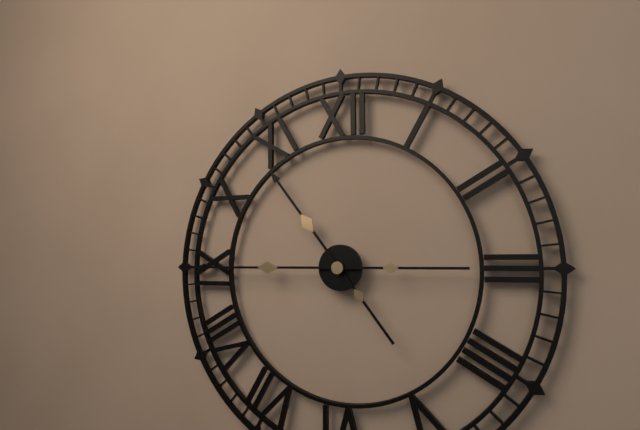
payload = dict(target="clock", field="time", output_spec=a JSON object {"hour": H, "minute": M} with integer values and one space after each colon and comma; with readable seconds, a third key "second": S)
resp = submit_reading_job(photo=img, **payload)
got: {"hour": 10, "minute": 45}
